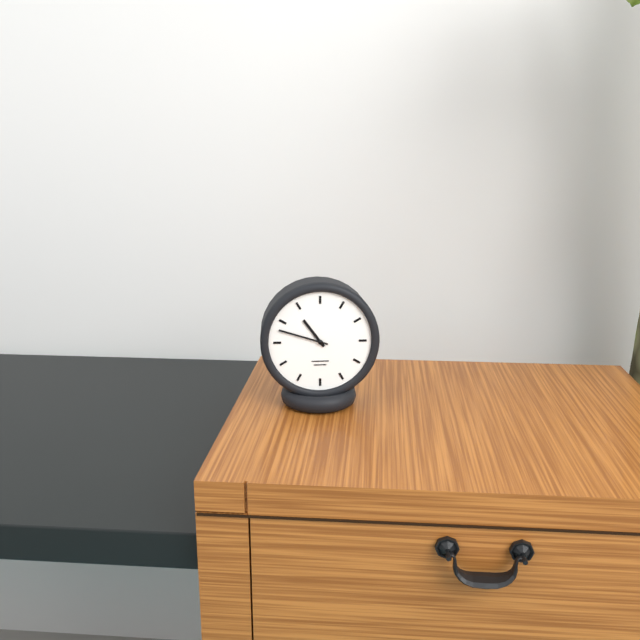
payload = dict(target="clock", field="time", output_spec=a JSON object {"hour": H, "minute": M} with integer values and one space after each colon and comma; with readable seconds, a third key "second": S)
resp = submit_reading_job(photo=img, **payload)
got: {"hour": 10, "minute": 48}
